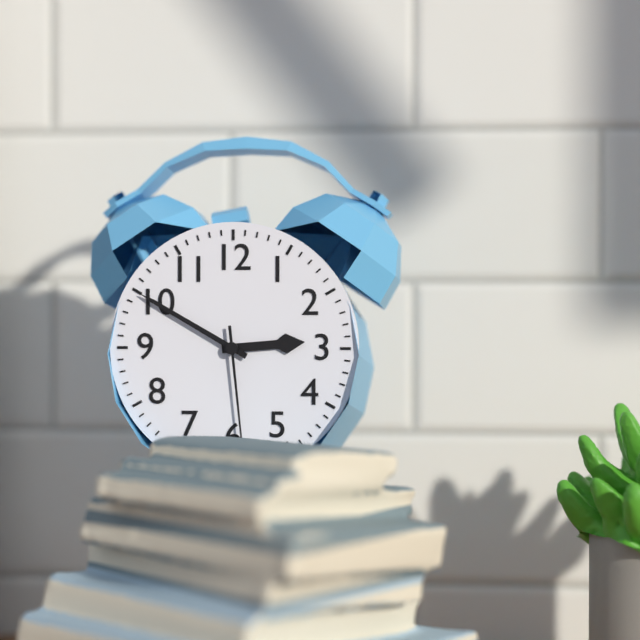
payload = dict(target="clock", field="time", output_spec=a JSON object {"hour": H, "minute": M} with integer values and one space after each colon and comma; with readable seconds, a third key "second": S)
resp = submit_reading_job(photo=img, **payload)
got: {"hour": 2, "minute": 50, "second": 29}
